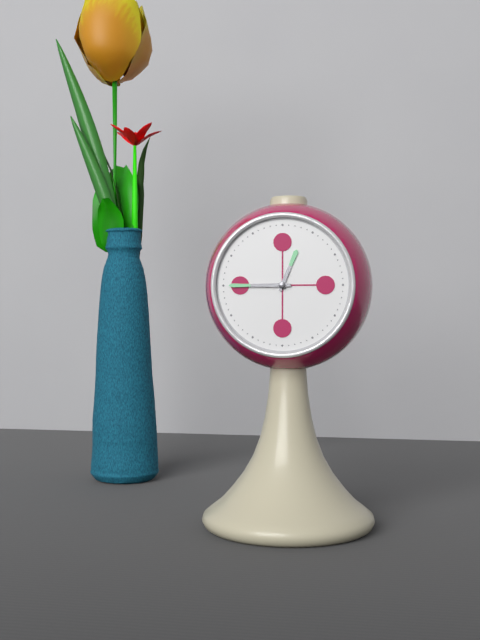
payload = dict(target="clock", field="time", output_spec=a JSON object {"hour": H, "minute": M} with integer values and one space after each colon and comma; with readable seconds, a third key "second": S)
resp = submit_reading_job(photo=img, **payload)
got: {"hour": 12, "minute": 45}
